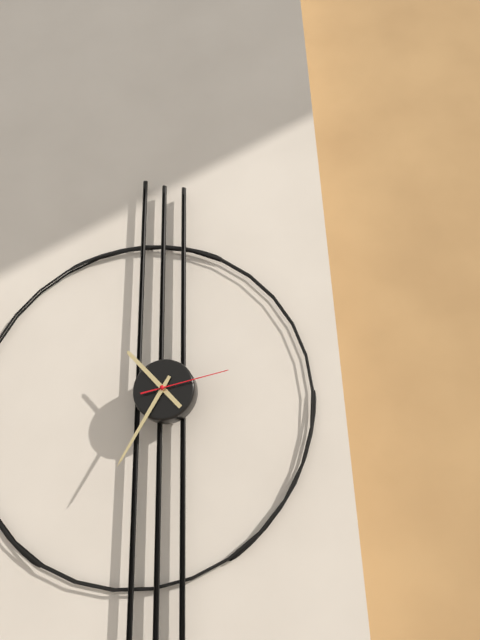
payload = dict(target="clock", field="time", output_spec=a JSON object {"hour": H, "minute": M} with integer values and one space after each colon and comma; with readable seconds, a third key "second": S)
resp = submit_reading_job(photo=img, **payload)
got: {"hour": 10, "minute": 35, "second": 13}
